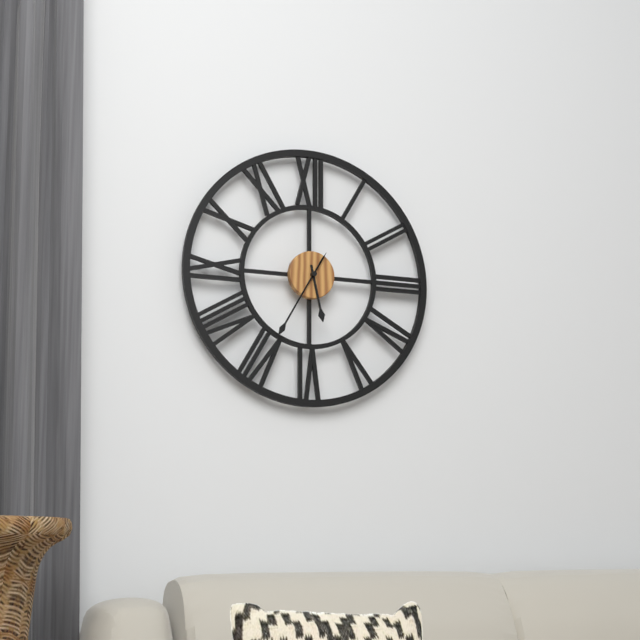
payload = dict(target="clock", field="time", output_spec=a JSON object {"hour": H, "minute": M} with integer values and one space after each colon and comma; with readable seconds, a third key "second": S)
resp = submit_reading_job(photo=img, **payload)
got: {"hour": 5, "minute": 35}
